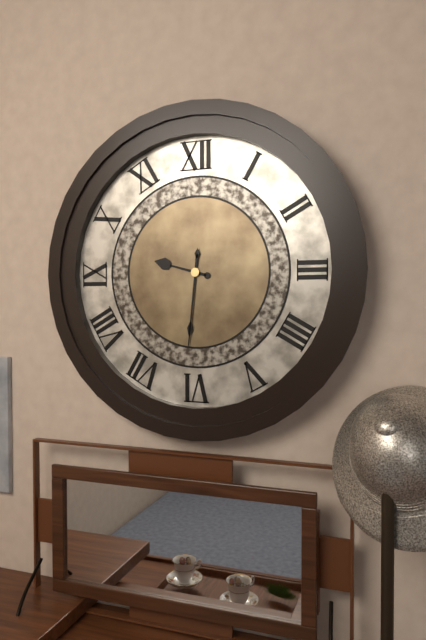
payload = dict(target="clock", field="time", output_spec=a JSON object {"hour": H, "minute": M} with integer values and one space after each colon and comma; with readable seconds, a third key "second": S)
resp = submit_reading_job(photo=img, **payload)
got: {"hour": 9, "minute": 31}
